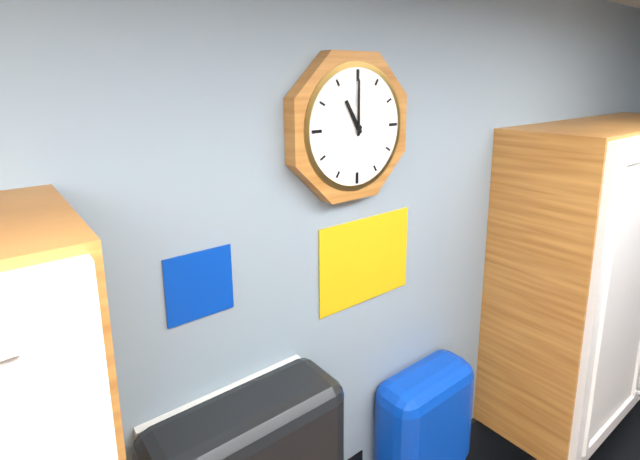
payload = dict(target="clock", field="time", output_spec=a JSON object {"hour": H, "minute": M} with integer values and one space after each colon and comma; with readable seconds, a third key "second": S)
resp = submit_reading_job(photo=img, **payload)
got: {"hour": 11, "minute": 0}
